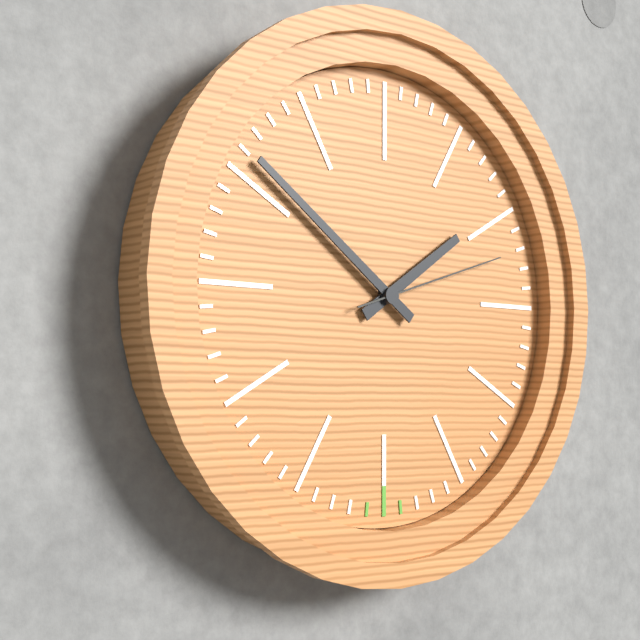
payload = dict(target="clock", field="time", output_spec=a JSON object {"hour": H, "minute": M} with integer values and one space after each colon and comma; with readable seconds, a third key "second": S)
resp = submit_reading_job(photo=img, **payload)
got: {"hour": 1, "minute": 51, "second": 12}
